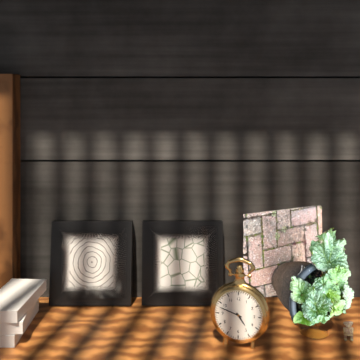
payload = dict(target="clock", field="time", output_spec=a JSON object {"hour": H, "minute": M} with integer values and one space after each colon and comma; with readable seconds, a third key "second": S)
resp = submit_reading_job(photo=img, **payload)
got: {"hour": 4, "minute": 48}
